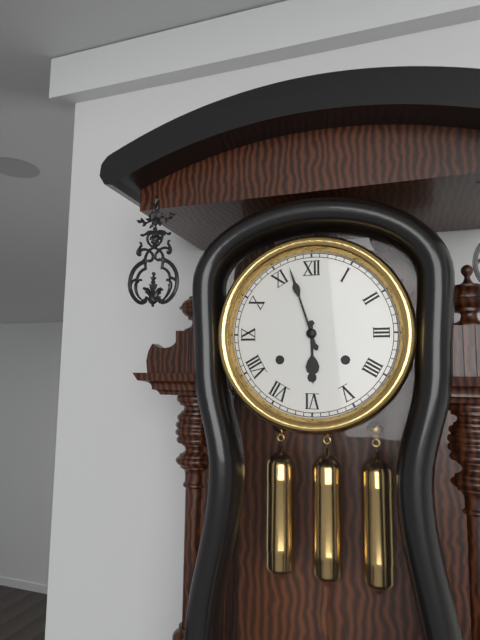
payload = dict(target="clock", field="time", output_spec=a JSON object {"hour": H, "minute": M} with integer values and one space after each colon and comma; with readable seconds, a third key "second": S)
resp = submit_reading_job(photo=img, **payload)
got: {"hour": 5, "minute": 57}
